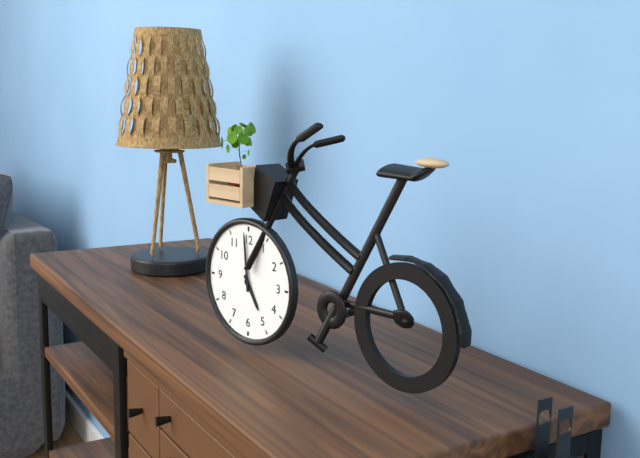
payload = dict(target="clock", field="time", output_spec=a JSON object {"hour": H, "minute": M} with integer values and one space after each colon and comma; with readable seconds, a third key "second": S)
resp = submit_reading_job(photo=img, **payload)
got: {"hour": 4, "minute": 59}
